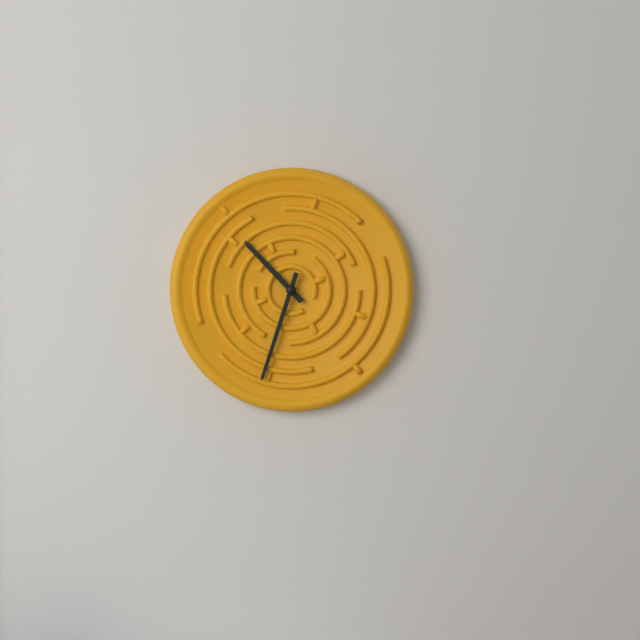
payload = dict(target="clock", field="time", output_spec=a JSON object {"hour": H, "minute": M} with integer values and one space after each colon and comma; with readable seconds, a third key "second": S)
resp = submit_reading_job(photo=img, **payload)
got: {"hour": 10, "minute": 33}
